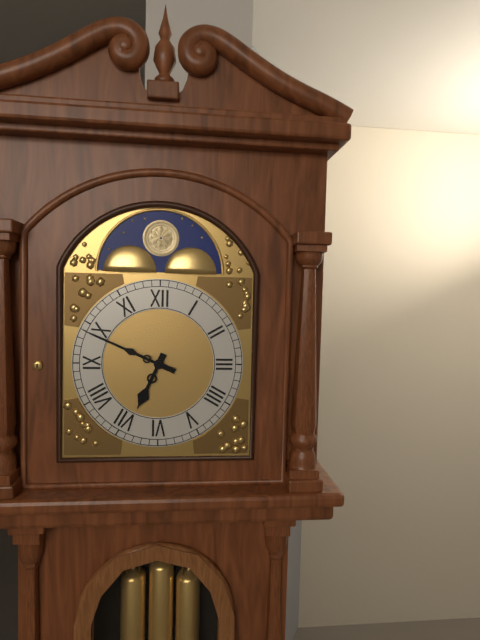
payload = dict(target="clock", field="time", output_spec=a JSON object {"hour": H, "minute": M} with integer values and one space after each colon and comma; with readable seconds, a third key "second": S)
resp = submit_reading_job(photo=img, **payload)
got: {"hour": 6, "minute": 49}
